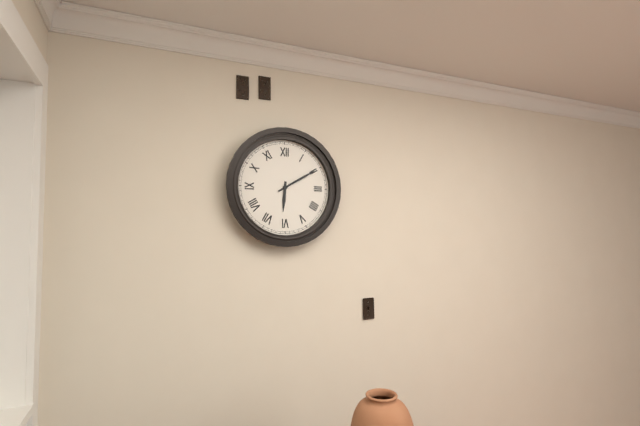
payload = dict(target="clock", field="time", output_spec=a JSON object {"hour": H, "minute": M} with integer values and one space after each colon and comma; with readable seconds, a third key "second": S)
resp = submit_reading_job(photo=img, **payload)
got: {"hour": 6, "minute": 10}
